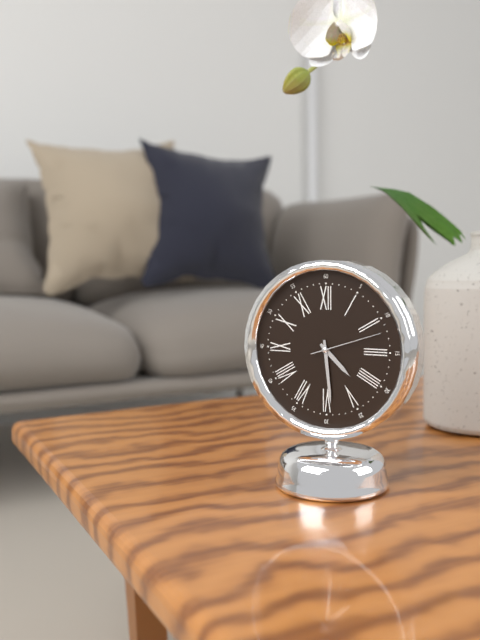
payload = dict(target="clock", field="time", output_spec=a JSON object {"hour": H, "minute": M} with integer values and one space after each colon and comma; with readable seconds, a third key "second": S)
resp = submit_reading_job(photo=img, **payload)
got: {"hour": 4, "minute": 29, "second": 12}
